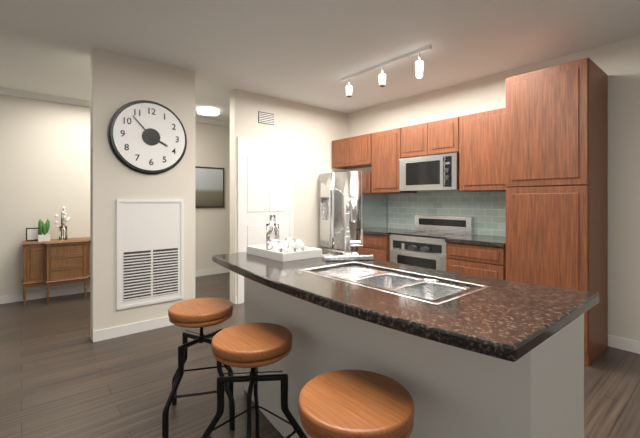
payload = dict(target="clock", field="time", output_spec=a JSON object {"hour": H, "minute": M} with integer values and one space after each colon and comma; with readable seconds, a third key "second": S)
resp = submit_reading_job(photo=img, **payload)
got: {"hour": 3, "minute": 53}
